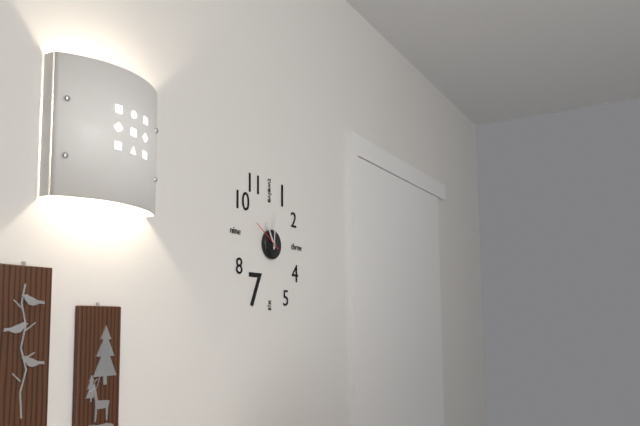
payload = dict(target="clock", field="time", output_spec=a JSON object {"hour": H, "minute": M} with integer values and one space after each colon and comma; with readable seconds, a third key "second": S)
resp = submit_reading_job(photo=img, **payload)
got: {"hour": 11, "minute": 1}
